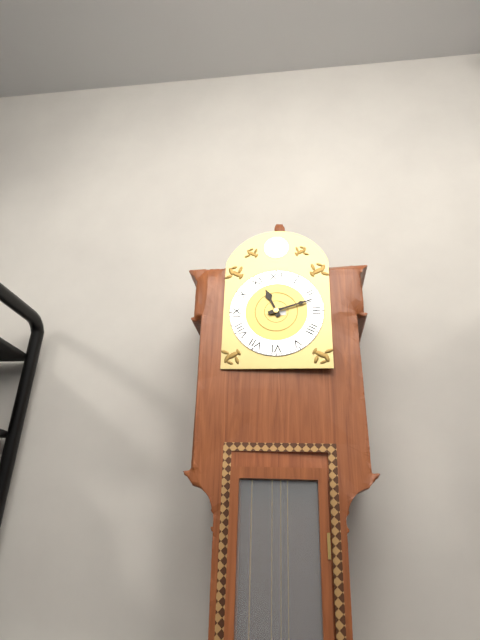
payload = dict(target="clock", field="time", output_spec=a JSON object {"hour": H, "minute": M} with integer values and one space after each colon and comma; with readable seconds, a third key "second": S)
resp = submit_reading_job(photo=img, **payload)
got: {"hour": 11, "minute": 12}
